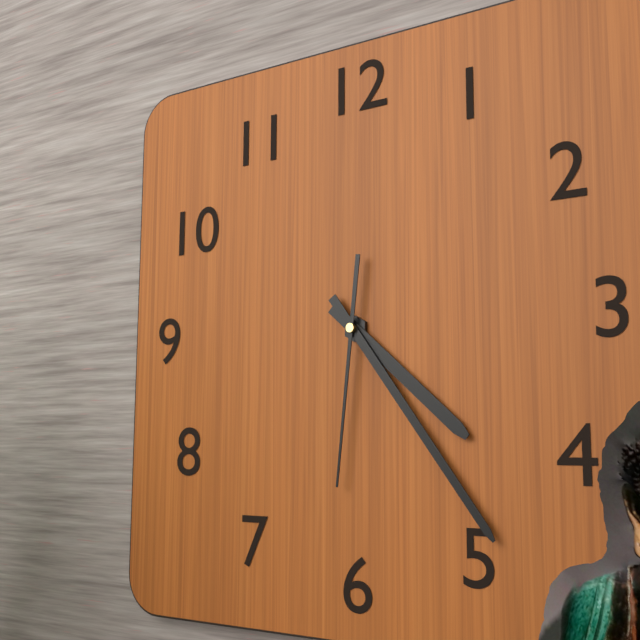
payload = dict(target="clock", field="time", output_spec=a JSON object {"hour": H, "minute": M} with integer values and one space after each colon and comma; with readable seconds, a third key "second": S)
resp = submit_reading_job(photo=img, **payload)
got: {"hour": 4, "minute": 24, "second": 31}
